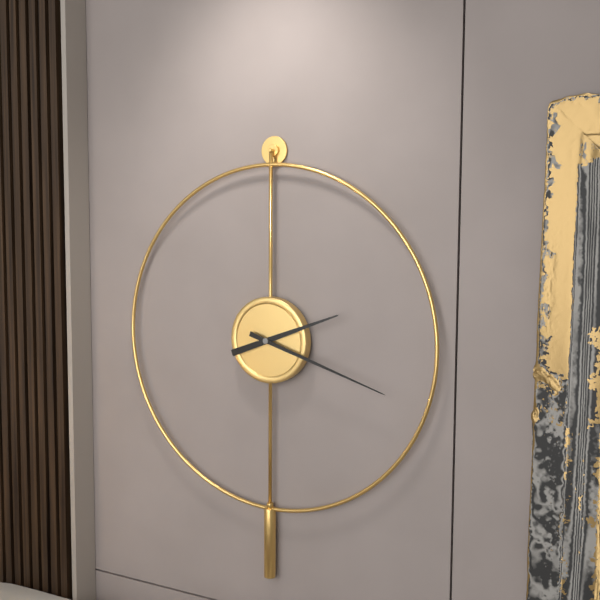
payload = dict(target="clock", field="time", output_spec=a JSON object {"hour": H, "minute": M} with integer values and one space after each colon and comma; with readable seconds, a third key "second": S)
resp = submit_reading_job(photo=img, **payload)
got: {"hour": 2, "minute": 18}
